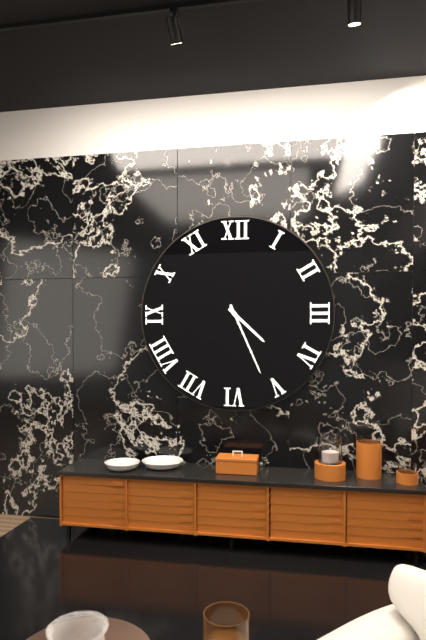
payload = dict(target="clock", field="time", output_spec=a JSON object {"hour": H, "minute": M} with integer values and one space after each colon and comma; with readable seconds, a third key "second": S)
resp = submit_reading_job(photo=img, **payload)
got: {"hour": 4, "minute": 26}
